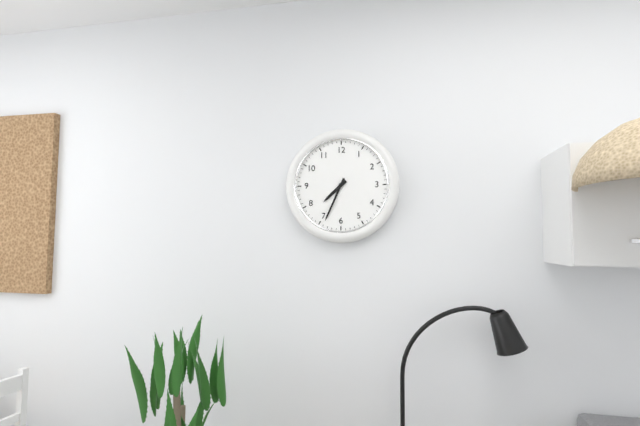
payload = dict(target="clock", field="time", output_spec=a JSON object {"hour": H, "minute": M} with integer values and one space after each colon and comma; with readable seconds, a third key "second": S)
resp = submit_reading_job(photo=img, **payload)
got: {"hour": 7, "minute": 34}
